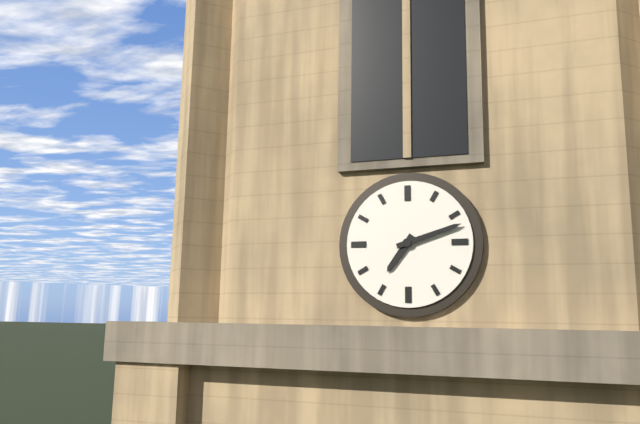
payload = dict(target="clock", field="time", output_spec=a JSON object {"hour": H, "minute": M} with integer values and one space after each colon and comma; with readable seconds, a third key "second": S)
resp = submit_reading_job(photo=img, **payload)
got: {"hour": 7, "minute": 12}
